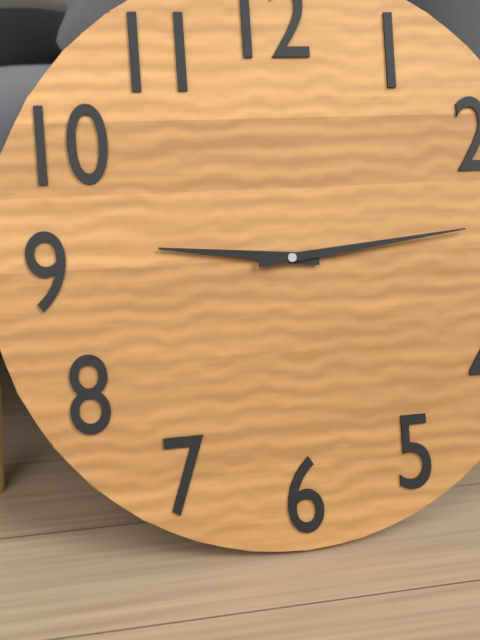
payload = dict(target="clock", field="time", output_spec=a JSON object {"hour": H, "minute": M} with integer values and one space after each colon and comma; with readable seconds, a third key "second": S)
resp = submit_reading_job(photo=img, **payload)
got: {"hour": 9, "minute": 14}
